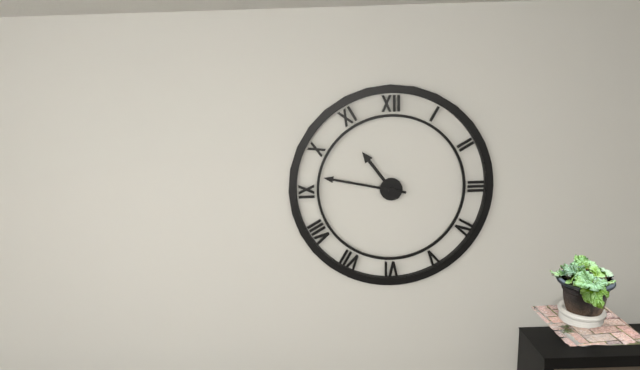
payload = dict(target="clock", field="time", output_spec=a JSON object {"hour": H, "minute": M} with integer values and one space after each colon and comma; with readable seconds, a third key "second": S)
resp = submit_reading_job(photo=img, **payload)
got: {"hour": 10, "minute": 47}
